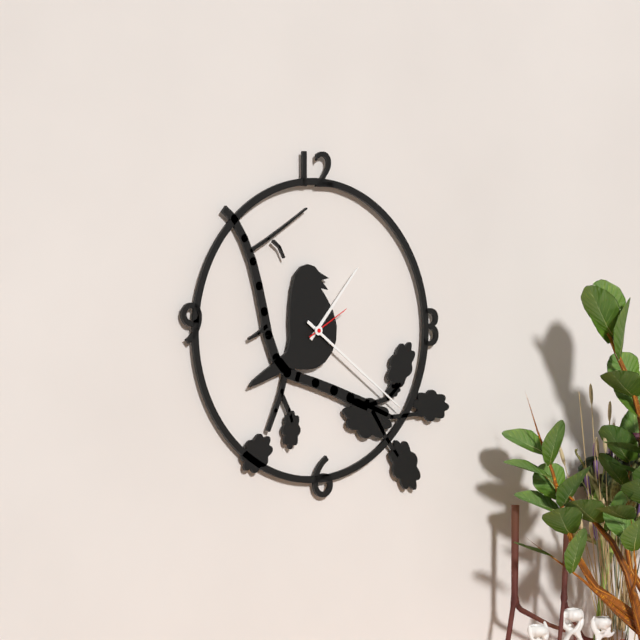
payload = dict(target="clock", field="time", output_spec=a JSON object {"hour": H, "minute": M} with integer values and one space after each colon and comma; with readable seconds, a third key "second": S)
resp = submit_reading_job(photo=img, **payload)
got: {"hour": 1, "minute": 21, "second": 10}
